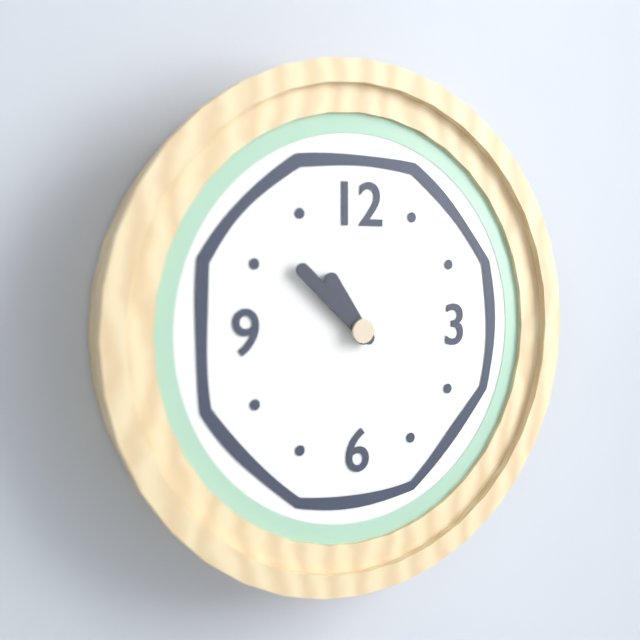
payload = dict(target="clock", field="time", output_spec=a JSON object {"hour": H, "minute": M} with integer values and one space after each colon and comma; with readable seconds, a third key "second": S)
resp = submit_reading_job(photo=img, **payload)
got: {"hour": 10, "minute": 52}
